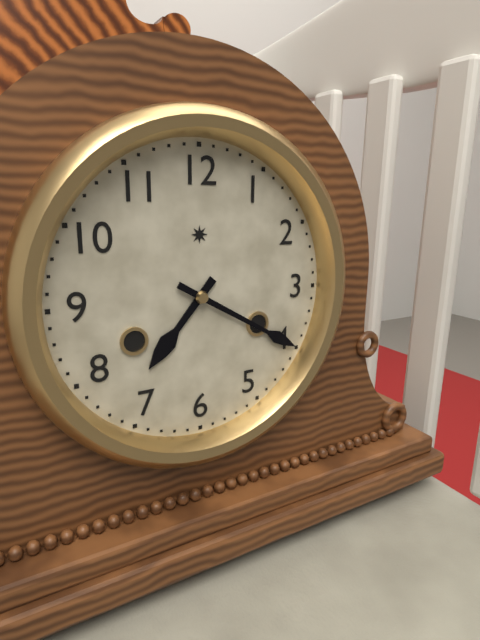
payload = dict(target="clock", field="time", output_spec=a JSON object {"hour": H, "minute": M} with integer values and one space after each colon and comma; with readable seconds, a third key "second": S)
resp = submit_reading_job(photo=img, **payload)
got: {"hour": 7, "minute": 20}
